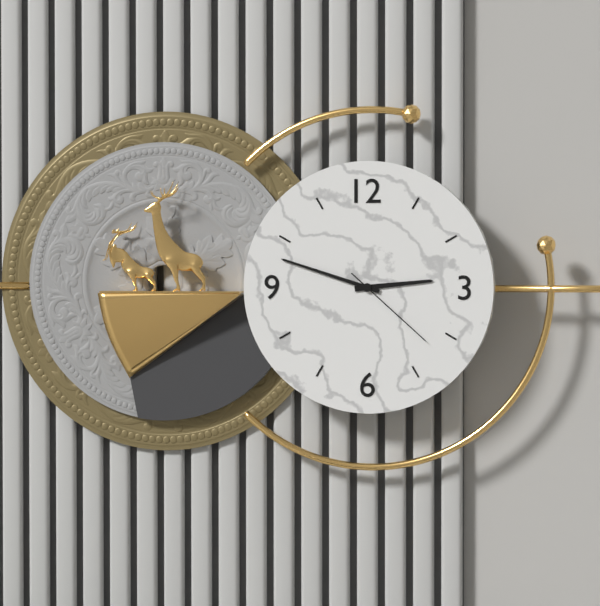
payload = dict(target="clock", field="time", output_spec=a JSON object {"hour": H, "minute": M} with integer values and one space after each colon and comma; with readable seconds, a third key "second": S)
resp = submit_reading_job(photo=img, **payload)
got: {"hour": 2, "minute": 48, "second": 22}
